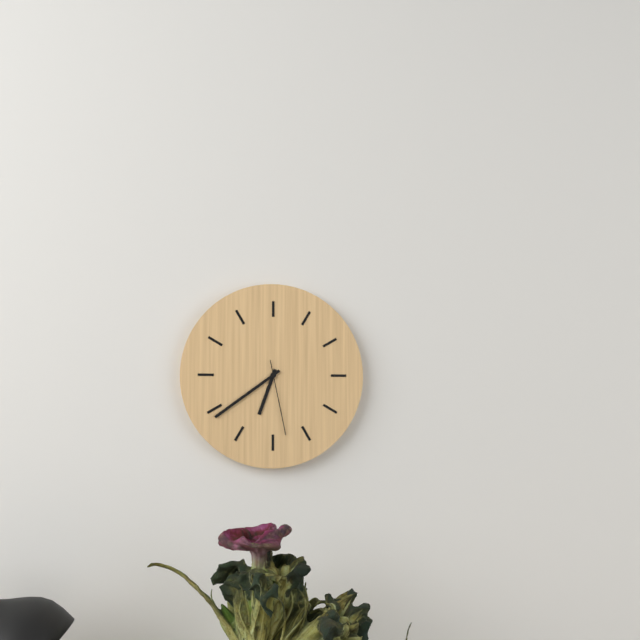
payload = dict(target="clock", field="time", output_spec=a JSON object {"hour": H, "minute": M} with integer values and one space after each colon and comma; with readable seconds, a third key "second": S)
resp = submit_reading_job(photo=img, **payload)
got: {"hour": 6, "minute": 39, "second": 28}
